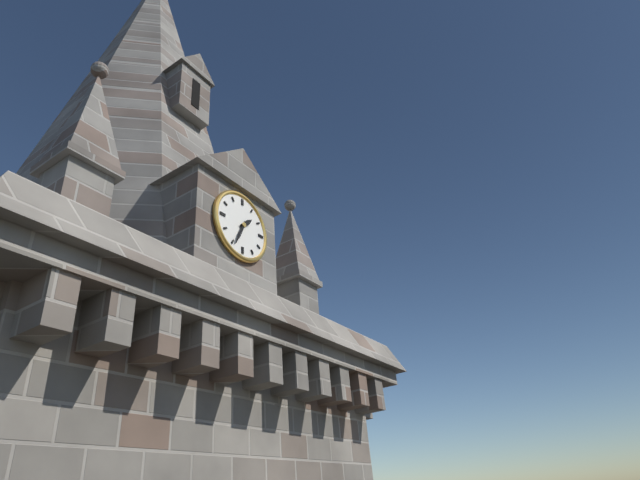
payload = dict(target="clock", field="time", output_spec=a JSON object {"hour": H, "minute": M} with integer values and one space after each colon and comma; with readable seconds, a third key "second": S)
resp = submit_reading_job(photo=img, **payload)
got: {"hour": 1, "minute": 34}
